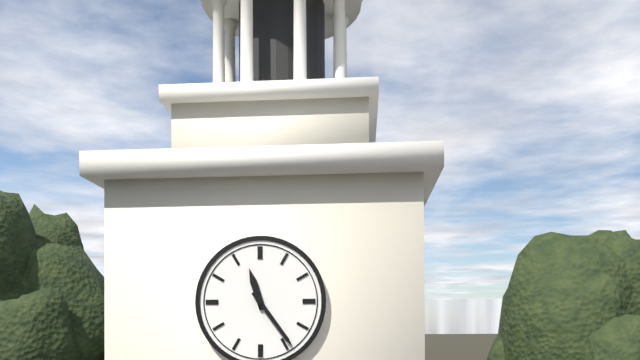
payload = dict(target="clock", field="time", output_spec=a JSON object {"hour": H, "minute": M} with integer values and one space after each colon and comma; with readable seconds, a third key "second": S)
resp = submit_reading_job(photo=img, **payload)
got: {"hour": 11, "minute": 24}
